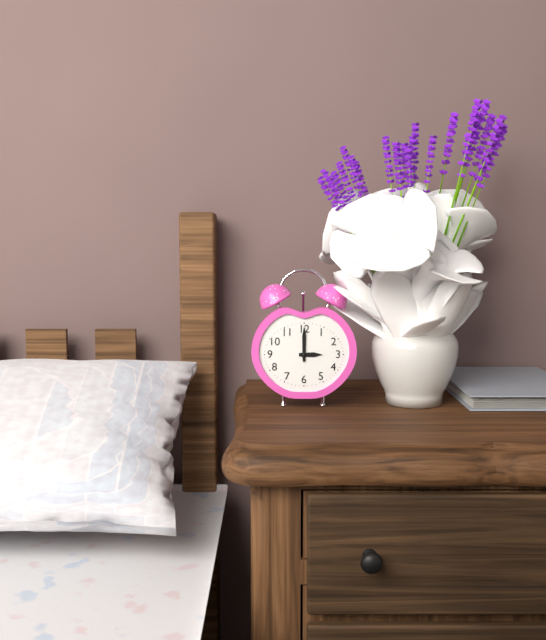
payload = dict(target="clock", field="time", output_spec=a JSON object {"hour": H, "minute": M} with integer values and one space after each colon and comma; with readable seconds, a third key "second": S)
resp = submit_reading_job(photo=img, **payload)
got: {"hour": 3, "minute": 0}
